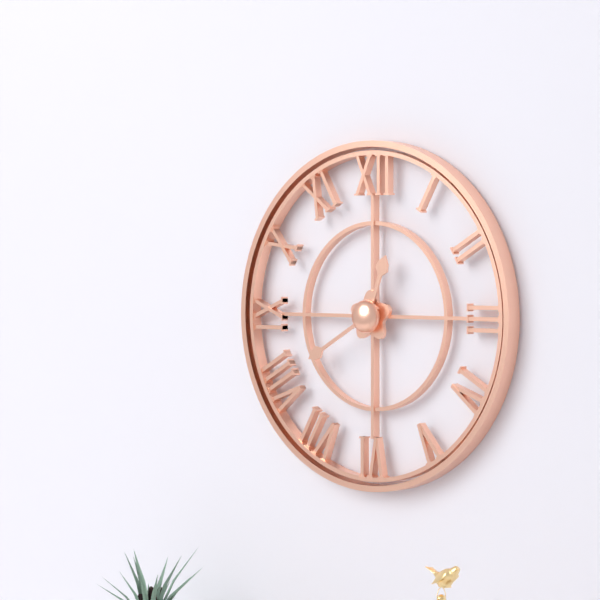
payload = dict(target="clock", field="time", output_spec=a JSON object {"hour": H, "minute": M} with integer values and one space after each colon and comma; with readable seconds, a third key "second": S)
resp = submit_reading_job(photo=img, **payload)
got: {"hour": 12, "minute": 40}
